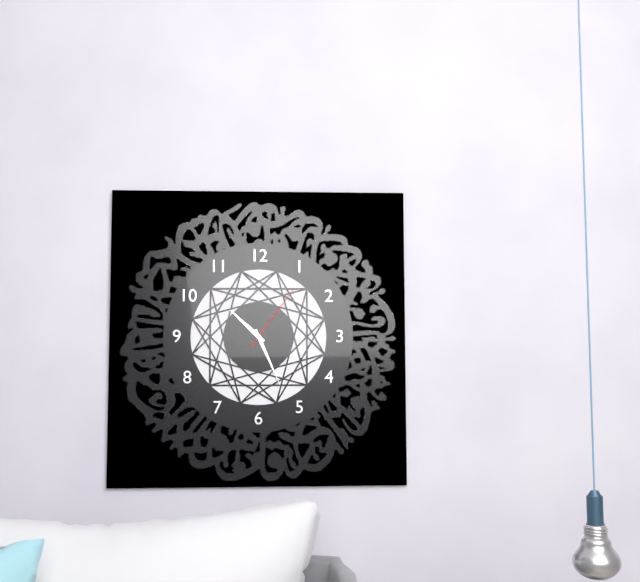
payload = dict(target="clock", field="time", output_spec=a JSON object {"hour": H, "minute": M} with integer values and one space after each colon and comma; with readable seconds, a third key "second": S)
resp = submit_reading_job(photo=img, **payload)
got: {"hour": 10, "minute": 26, "second": 6}
